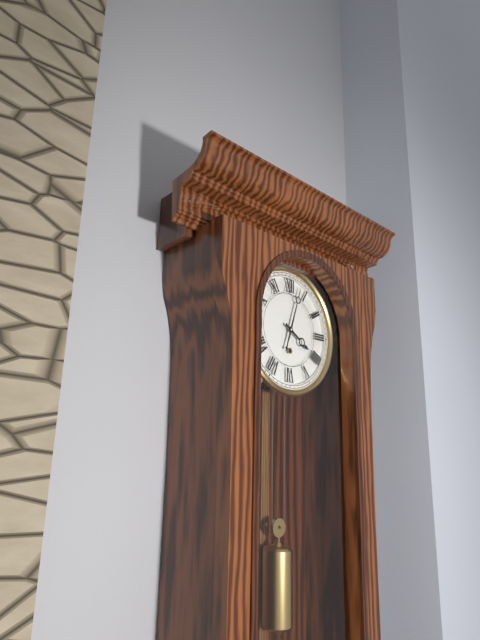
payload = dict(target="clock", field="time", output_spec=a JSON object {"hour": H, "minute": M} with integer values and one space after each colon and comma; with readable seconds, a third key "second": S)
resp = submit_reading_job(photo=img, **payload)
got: {"hour": 4, "minute": 3}
